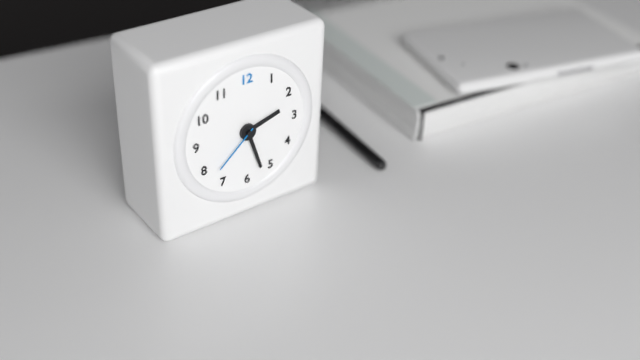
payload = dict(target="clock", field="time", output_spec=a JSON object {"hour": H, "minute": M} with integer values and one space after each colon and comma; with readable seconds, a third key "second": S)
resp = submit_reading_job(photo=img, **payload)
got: {"hour": 2, "minute": 27, "second": 38}
